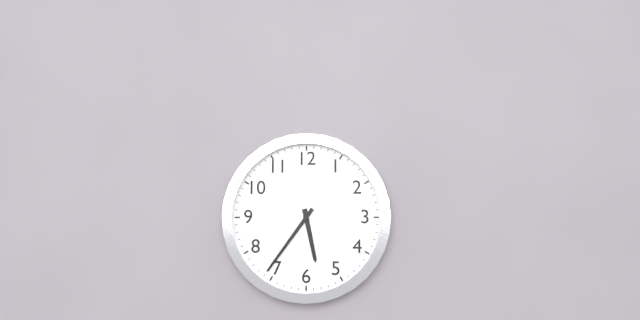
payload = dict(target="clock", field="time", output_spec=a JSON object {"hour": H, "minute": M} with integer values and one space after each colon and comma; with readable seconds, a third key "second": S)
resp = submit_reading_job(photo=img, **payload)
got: {"hour": 5, "minute": 36}
